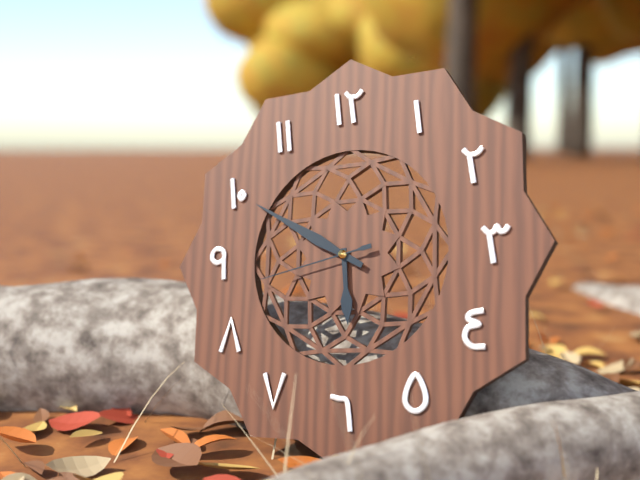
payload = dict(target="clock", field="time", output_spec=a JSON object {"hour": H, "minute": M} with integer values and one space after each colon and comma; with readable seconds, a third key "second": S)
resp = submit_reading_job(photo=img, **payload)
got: {"hour": 5, "minute": 50, "second": 43}
